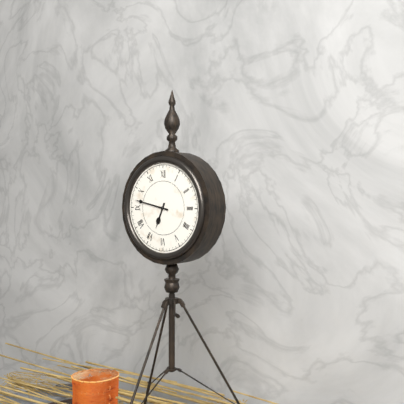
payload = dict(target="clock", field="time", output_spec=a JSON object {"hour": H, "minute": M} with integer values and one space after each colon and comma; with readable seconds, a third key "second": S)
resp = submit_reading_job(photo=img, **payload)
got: {"hour": 6, "minute": 47}
